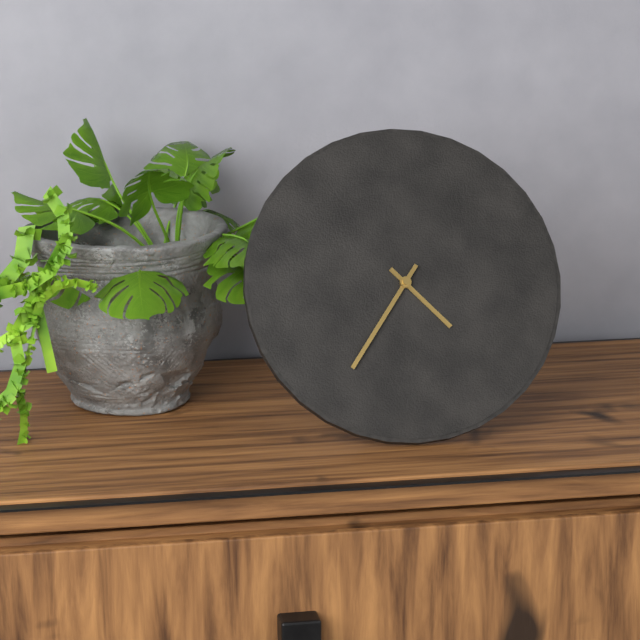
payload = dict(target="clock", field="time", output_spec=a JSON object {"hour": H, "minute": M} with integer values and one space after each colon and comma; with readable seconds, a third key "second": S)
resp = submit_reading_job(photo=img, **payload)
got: {"hour": 4, "minute": 36}
